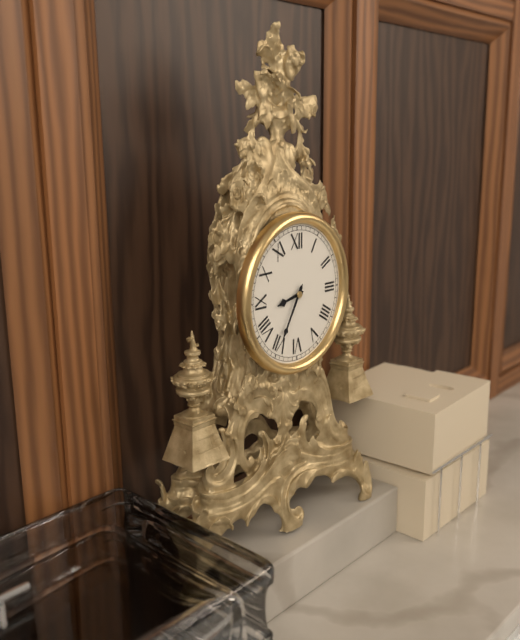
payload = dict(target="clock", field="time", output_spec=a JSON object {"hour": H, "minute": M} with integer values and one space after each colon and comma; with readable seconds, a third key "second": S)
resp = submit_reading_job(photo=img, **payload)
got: {"hour": 8, "minute": 35}
